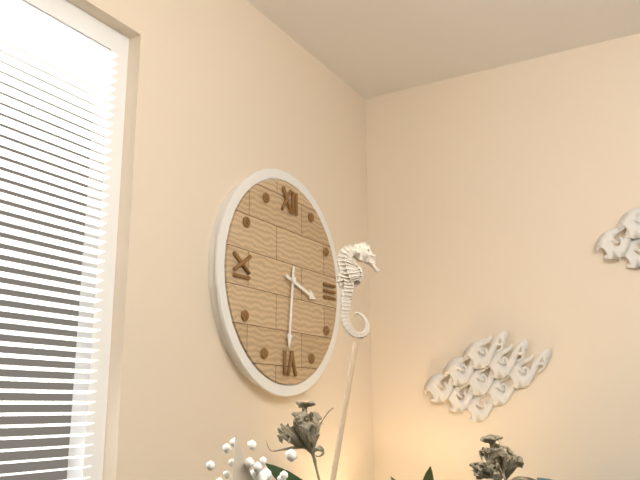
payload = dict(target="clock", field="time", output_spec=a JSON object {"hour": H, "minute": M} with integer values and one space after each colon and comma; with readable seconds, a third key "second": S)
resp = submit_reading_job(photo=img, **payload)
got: {"hour": 3, "minute": 31}
